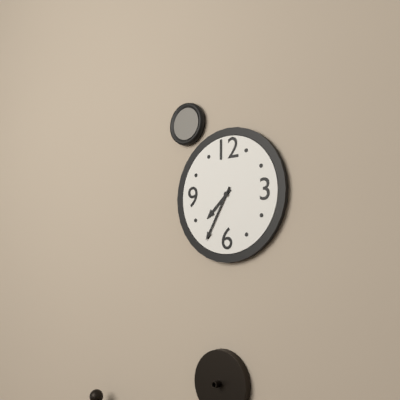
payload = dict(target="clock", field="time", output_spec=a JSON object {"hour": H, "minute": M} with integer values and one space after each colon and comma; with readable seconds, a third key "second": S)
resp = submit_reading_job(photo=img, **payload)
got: {"hour": 7, "minute": 35}
